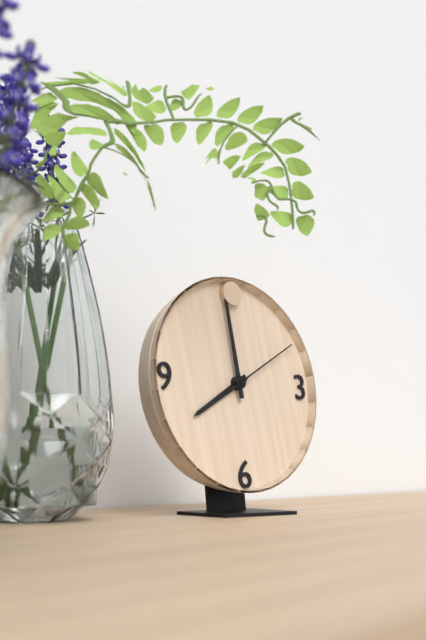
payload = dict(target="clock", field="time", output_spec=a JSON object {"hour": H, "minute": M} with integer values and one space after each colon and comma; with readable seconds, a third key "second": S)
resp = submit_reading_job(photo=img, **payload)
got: {"hour": 7, "minute": 59, "second": 10}
